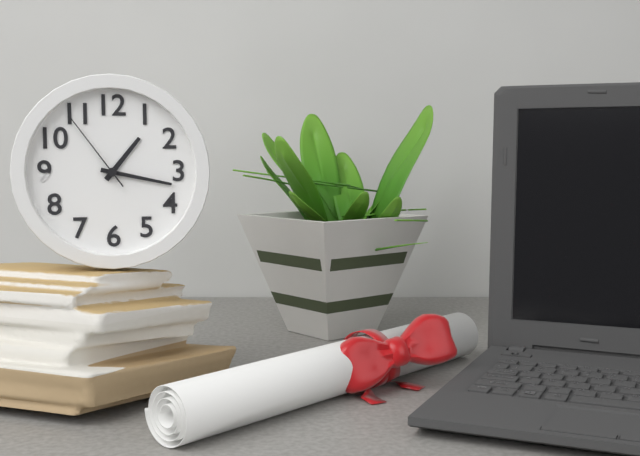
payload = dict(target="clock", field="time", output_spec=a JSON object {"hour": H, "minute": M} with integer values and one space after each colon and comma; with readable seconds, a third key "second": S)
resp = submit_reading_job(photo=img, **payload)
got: {"hour": 1, "minute": 17, "second": 54}
